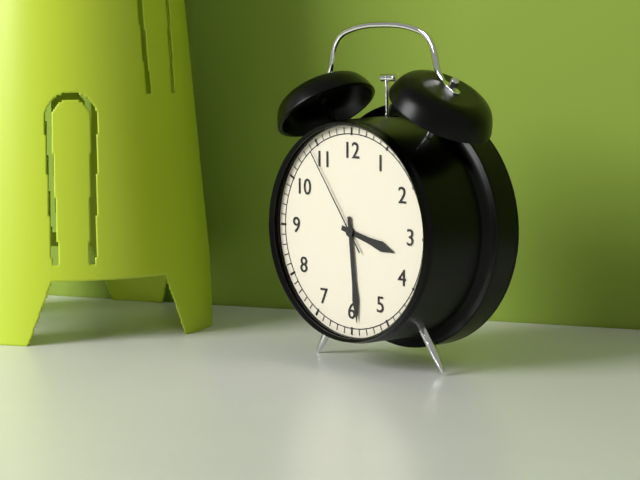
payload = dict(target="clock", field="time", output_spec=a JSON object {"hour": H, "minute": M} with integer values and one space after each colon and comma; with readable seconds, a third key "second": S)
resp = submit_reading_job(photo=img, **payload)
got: {"hour": 3, "minute": 29, "second": 54}
